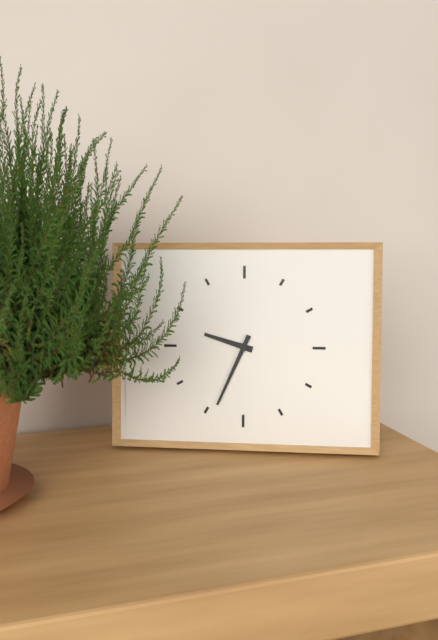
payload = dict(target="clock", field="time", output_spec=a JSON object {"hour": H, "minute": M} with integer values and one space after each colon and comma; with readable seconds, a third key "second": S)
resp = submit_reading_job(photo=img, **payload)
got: {"hour": 9, "minute": 34}
